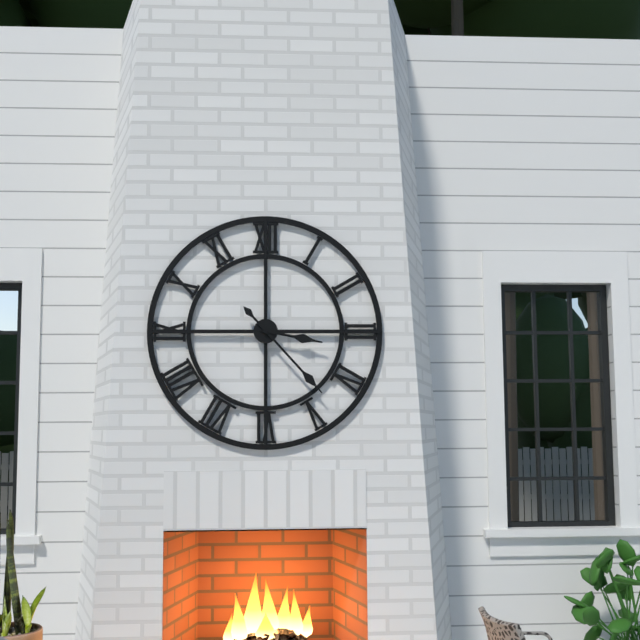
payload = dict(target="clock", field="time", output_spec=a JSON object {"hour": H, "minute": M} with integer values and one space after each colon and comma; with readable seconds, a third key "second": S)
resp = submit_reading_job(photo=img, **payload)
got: {"hour": 3, "minute": 23}
